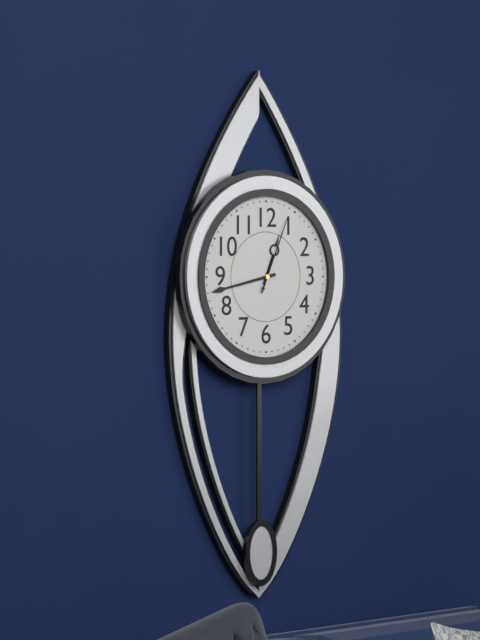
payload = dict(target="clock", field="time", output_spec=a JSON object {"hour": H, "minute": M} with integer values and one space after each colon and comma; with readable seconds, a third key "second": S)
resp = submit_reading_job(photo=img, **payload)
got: {"hour": 12, "minute": 43, "second": 4}
